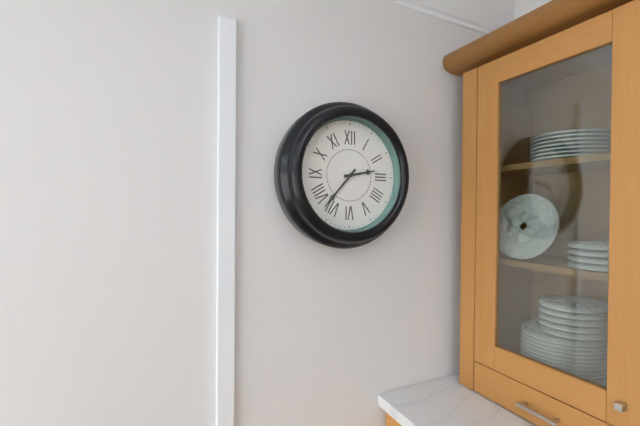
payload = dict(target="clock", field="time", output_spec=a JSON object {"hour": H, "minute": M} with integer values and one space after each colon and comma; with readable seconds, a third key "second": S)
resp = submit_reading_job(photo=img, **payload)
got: {"hour": 2, "minute": 37}
